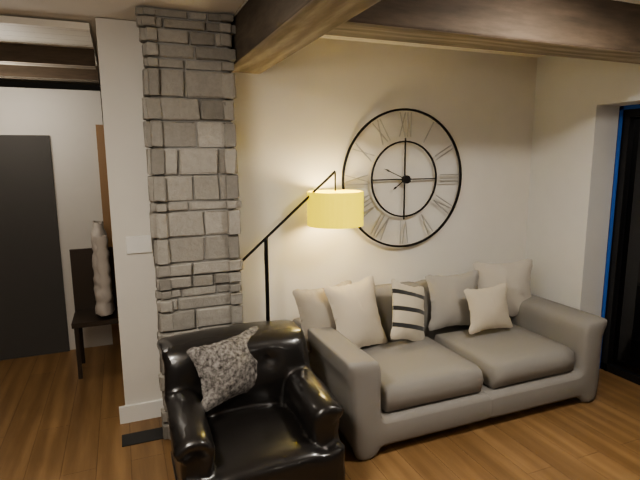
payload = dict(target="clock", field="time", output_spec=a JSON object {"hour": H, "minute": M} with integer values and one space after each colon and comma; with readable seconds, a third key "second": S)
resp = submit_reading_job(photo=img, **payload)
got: {"hour": 7, "minute": 49}
